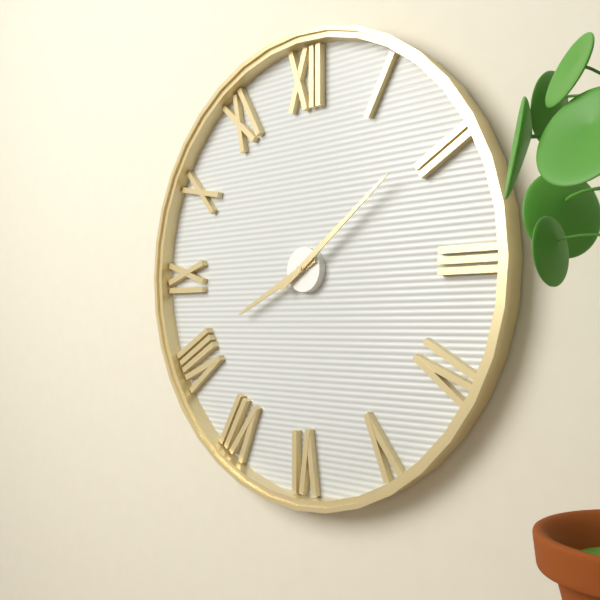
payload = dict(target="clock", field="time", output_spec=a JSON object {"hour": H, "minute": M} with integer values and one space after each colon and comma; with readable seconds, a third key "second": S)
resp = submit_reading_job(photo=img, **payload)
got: {"hour": 8, "minute": 9}
